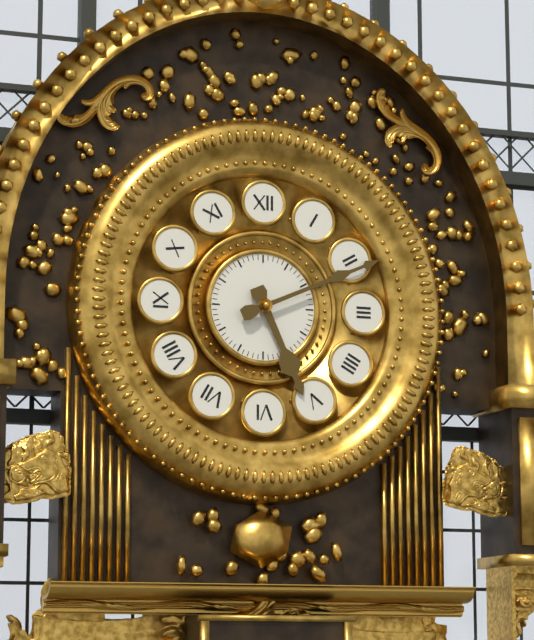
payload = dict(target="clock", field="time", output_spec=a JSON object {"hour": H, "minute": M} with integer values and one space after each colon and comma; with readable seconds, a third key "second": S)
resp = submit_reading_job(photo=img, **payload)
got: {"hour": 5, "minute": 11}
